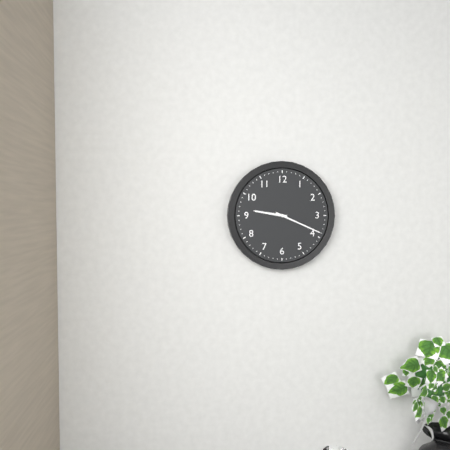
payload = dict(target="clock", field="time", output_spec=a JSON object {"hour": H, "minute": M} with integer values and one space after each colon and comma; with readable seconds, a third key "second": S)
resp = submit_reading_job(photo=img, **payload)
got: {"hour": 9, "minute": 19}
